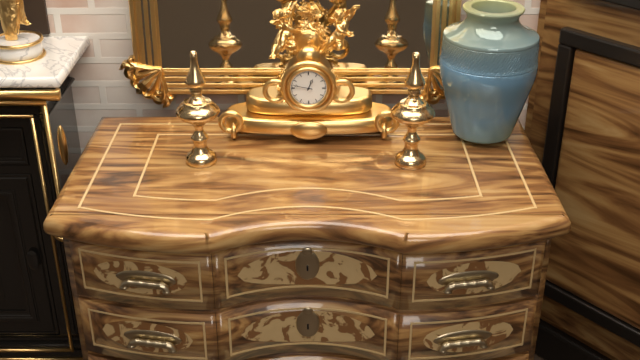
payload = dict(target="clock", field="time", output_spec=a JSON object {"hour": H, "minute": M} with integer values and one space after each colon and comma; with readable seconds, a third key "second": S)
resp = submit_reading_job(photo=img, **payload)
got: {"hour": 12, "minute": 47}
